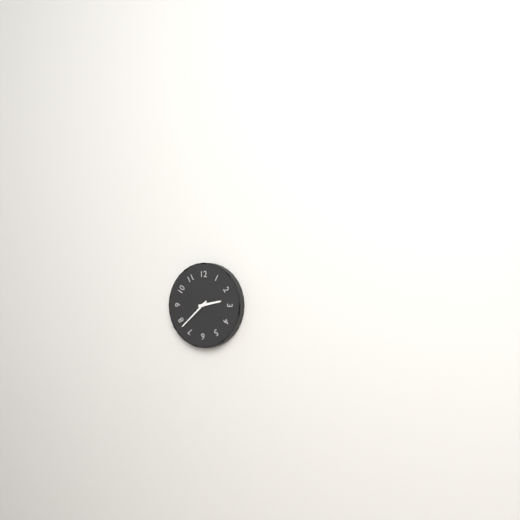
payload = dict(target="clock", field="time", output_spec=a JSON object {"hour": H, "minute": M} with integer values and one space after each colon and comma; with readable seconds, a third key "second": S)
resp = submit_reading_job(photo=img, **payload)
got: {"hour": 2, "minute": 38}
